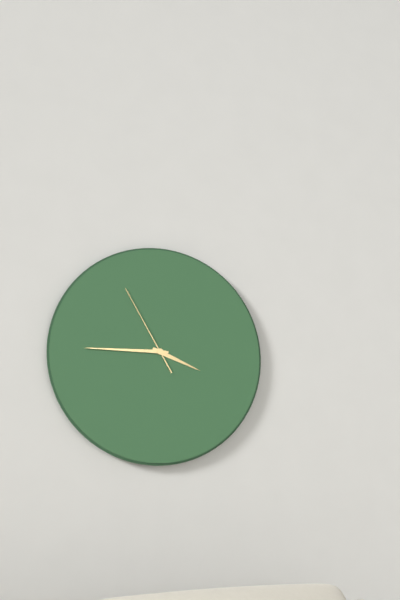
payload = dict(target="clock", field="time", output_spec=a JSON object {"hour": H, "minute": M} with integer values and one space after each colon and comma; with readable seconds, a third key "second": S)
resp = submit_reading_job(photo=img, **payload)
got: {"hour": 3, "minute": 45, "second": 55}
